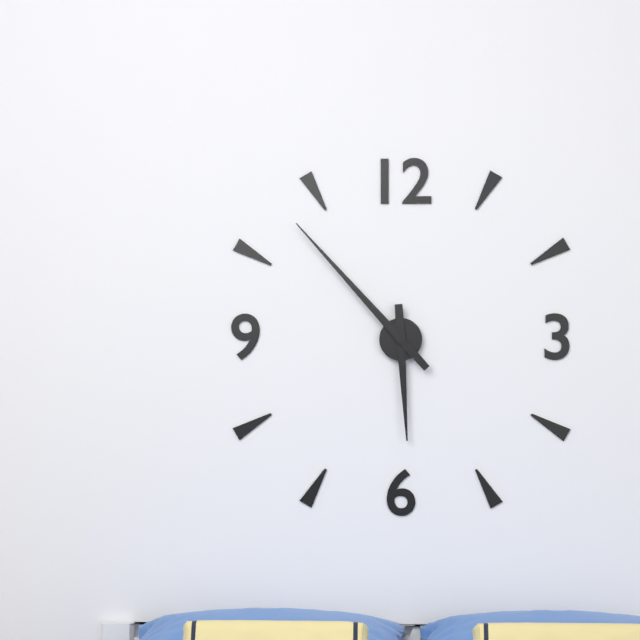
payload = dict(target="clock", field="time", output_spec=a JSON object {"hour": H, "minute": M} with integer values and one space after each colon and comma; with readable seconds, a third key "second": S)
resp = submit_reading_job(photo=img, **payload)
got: {"hour": 5, "minute": 53}
